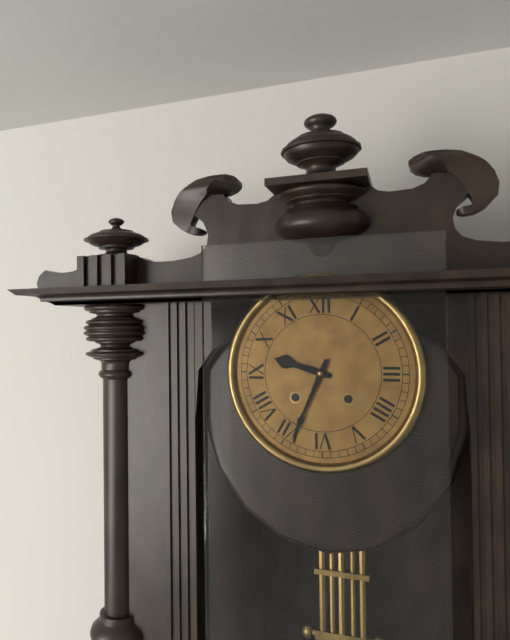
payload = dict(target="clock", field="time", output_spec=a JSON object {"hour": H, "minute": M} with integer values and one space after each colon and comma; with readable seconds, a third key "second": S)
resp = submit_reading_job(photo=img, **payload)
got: {"hour": 9, "minute": 34}
